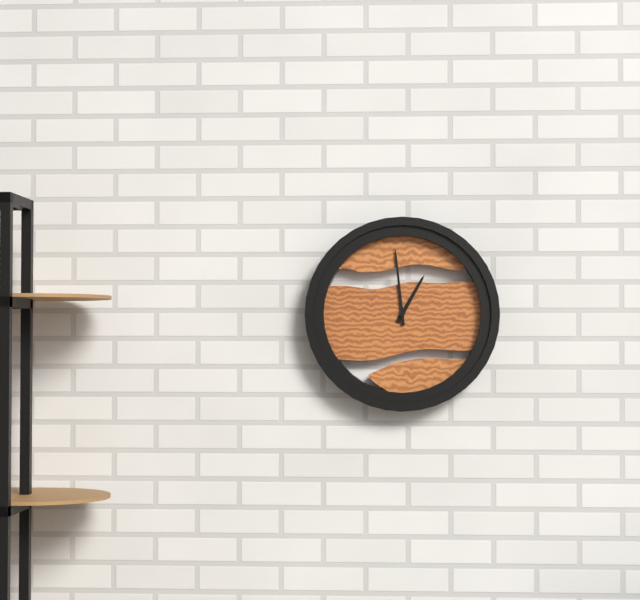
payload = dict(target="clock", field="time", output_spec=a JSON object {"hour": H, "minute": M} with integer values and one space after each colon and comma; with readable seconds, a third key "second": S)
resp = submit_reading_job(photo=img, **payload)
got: {"hour": 12, "minute": 59}
